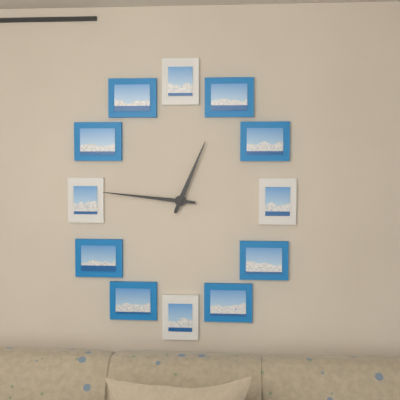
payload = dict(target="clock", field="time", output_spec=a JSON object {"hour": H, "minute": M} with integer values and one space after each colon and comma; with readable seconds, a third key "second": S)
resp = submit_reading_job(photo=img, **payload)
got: {"hour": 12, "minute": 46}
